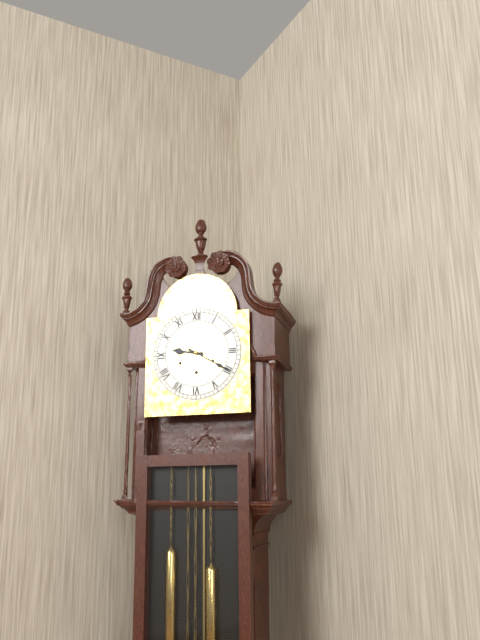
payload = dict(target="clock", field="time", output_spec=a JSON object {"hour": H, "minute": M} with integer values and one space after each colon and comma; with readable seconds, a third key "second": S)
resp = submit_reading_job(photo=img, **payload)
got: {"hour": 9, "minute": 20}
